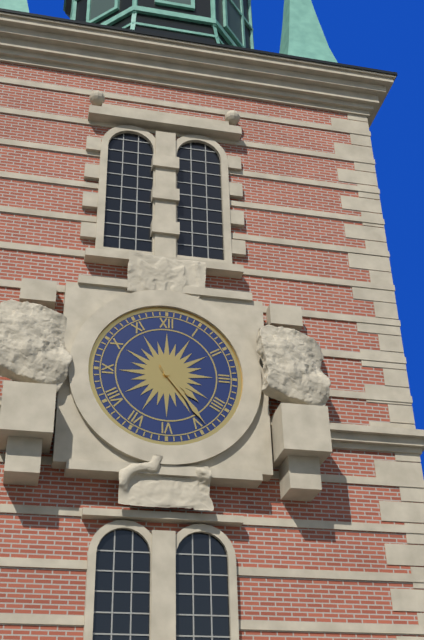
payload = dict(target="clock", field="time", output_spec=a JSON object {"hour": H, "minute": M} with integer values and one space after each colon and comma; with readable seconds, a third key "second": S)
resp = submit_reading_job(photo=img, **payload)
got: {"hour": 4, "minute": 24}
